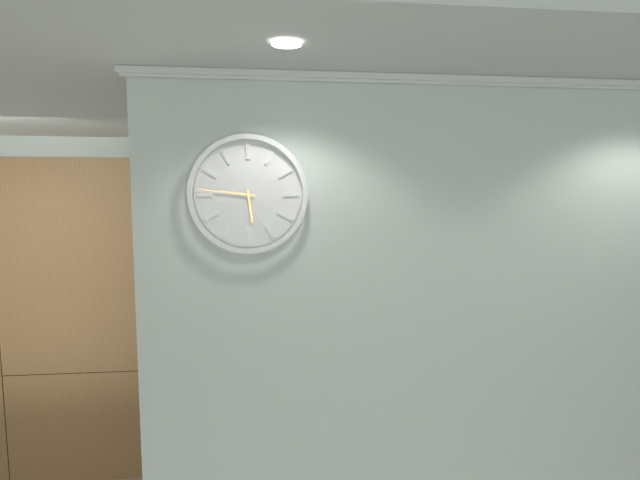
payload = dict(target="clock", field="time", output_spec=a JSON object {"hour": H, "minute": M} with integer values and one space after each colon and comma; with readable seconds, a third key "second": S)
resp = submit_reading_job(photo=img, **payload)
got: {"hour": 5, "minute": 46}
